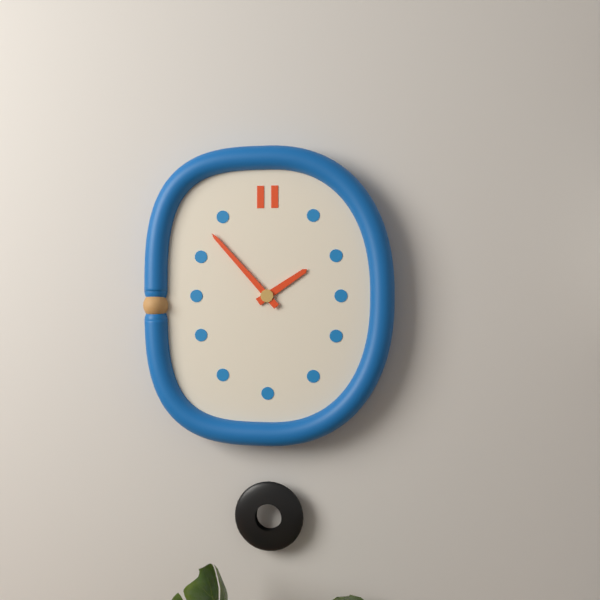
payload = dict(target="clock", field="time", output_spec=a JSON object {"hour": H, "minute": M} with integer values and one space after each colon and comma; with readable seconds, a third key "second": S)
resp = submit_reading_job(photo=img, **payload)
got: {"hour": 1, "minute": 53}
